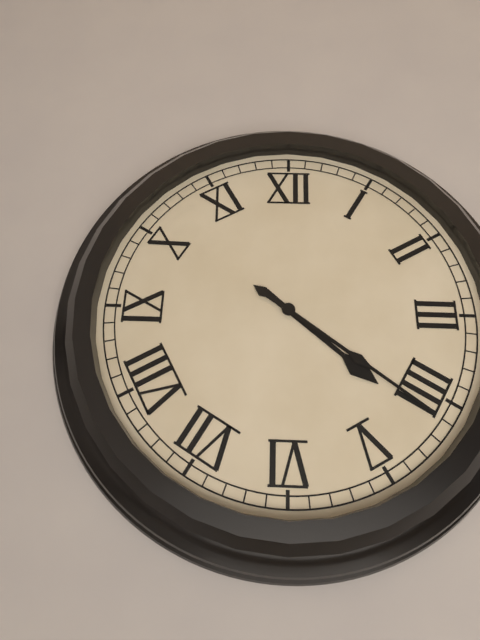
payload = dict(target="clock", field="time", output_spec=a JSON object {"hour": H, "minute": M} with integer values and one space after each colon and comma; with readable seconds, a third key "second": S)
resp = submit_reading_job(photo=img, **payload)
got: {"hour": 4, "minute": 21}
